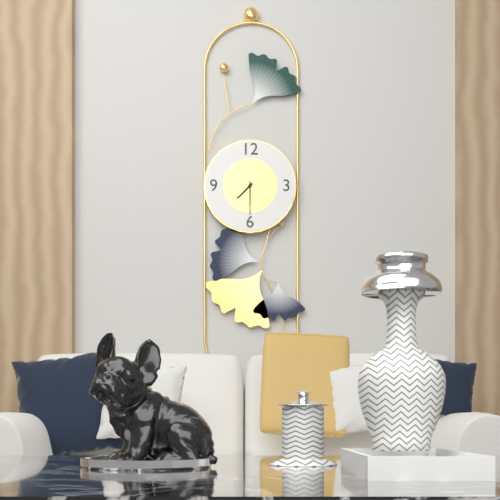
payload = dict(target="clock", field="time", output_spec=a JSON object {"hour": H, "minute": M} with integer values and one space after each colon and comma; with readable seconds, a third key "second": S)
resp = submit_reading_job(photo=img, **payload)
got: {"hour": 7, "minute": 30}
